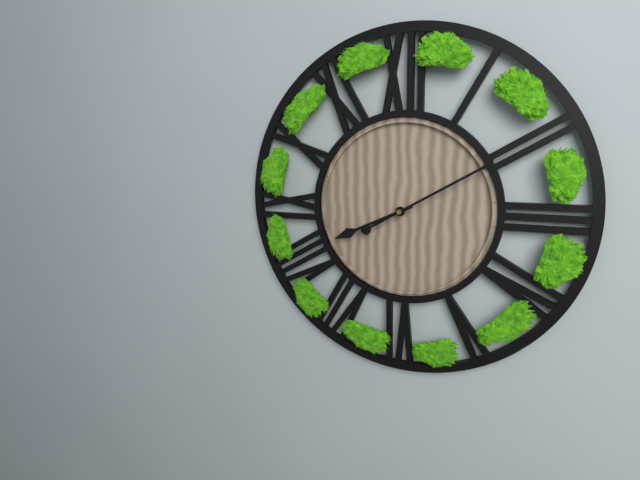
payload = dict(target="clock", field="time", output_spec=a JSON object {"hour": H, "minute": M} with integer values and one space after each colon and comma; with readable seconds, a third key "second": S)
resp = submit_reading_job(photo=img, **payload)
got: {"hour": 8, "minute": 10}
